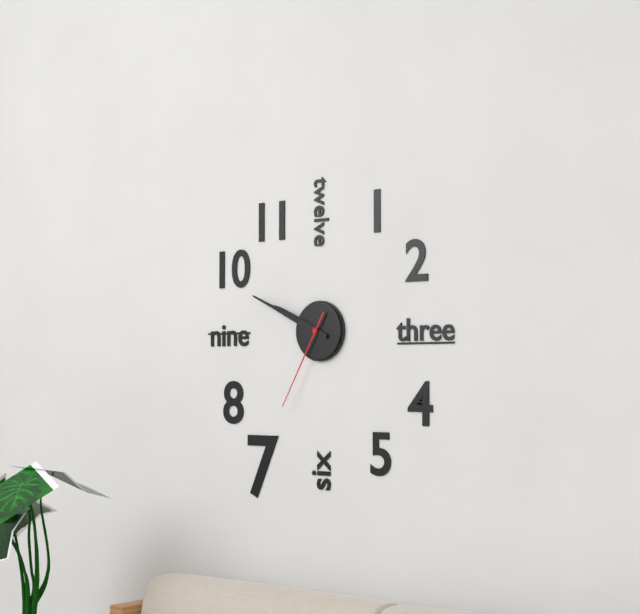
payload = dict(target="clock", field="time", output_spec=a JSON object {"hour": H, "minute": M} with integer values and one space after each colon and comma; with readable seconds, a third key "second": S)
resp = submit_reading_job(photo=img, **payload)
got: {"hour": 9, "minute": 49, "second": 35}
